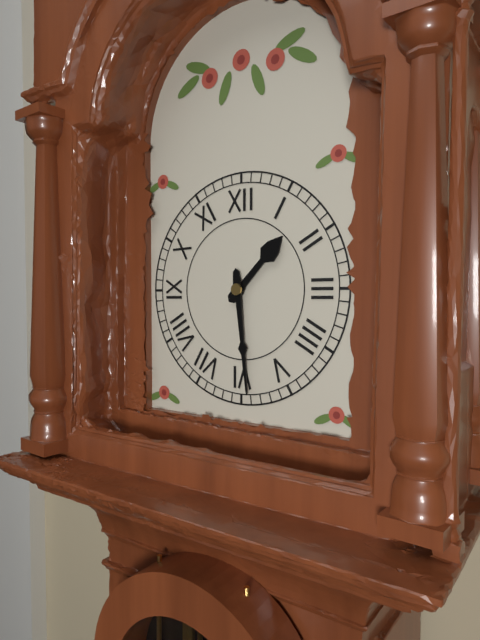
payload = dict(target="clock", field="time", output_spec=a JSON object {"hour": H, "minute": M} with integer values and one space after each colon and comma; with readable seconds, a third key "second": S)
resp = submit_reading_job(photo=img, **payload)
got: {"hour": 1, "minute": 29}
